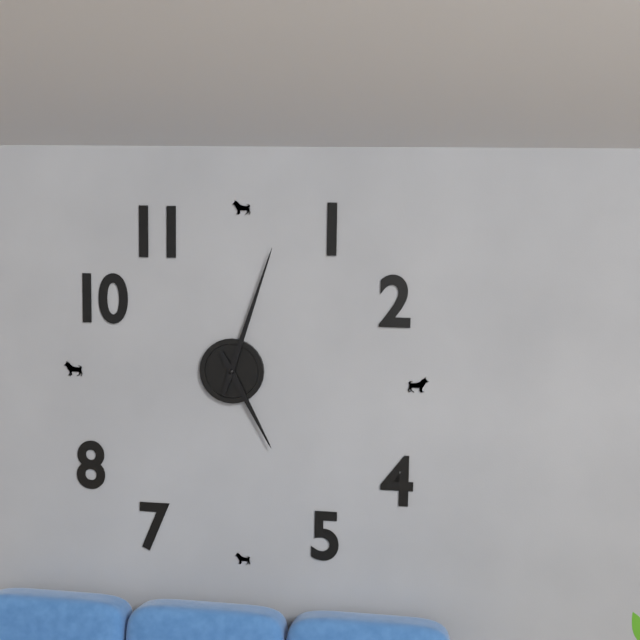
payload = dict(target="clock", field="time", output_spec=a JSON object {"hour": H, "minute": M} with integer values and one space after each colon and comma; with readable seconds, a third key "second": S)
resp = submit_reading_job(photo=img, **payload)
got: {"hour": 5, "minute": 3}
